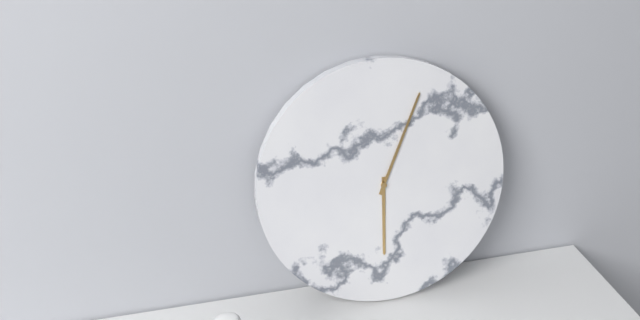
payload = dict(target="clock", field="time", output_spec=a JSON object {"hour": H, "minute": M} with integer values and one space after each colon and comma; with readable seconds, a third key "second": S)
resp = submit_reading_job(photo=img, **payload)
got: {"hour": 6, "minute": 4}
